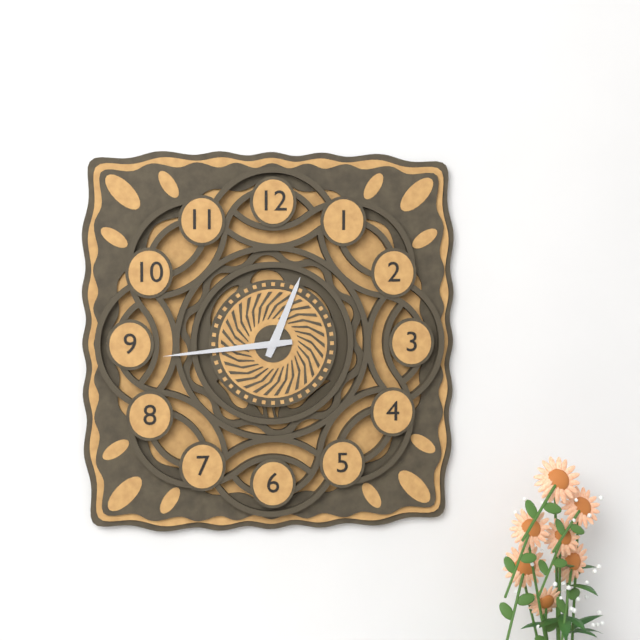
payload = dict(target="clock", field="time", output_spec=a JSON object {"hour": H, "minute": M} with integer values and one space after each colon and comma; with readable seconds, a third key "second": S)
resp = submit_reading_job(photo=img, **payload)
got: {"hour": 12, "minute": 44}
